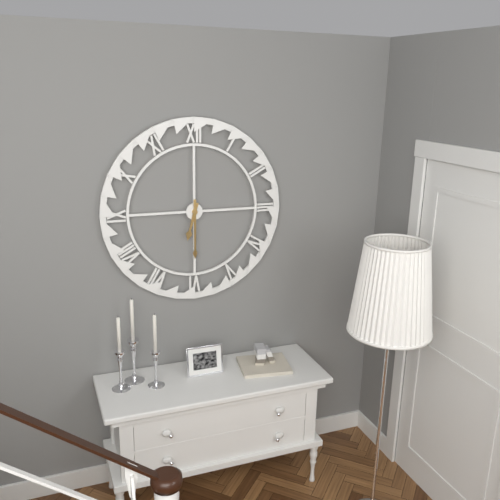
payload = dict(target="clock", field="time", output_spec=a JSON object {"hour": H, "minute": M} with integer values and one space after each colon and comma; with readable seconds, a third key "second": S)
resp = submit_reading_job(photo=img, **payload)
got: {"hour": 6, "minute": 30}
